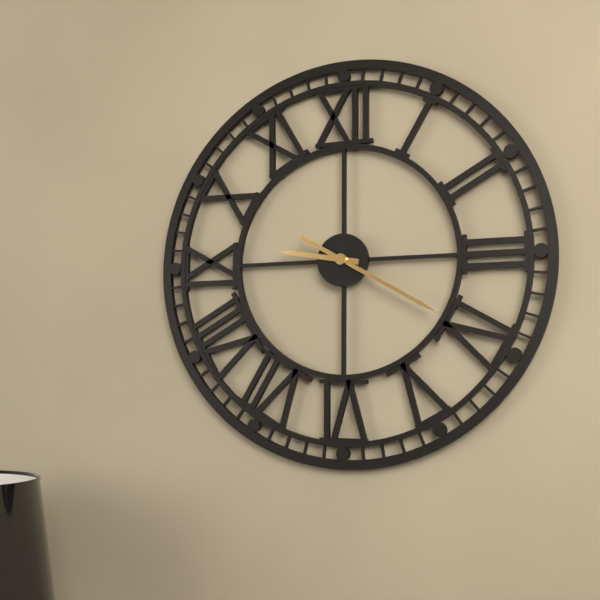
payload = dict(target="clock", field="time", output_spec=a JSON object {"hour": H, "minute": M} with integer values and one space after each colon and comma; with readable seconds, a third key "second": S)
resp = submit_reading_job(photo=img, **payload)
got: {"hour": 9, "minute": 20}
